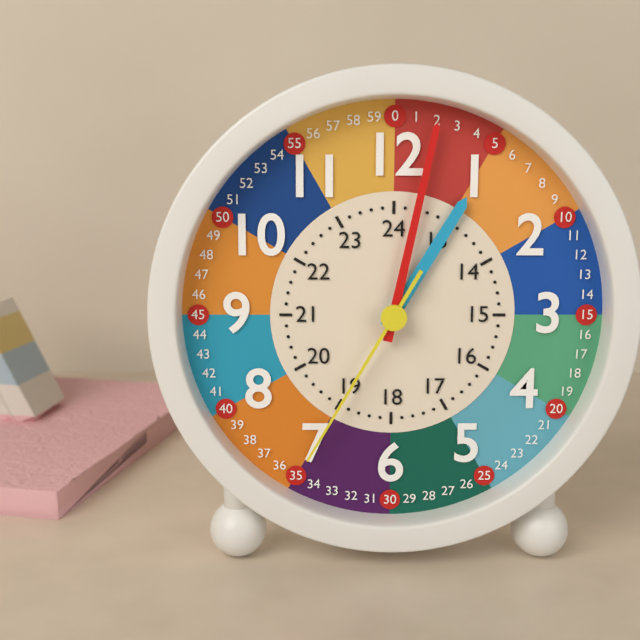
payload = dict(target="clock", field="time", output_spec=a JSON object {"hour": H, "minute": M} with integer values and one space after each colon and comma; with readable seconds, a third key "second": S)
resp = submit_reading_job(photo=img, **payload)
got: {"hour": 1, "minute": 2, "second": 35}
